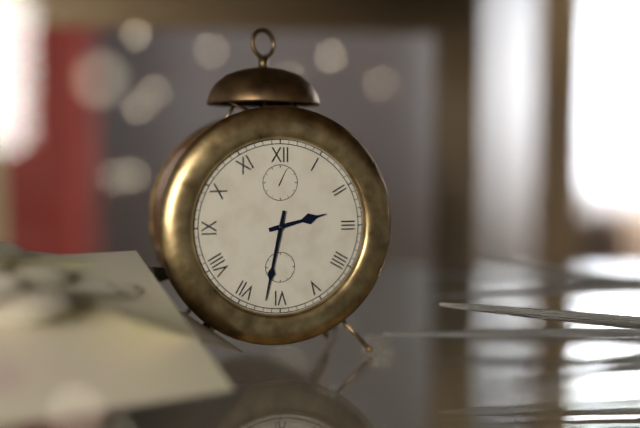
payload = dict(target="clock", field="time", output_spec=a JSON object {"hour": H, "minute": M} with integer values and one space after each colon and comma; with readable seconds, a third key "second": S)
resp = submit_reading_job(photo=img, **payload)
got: {"hour": 2, "minute": 32}
